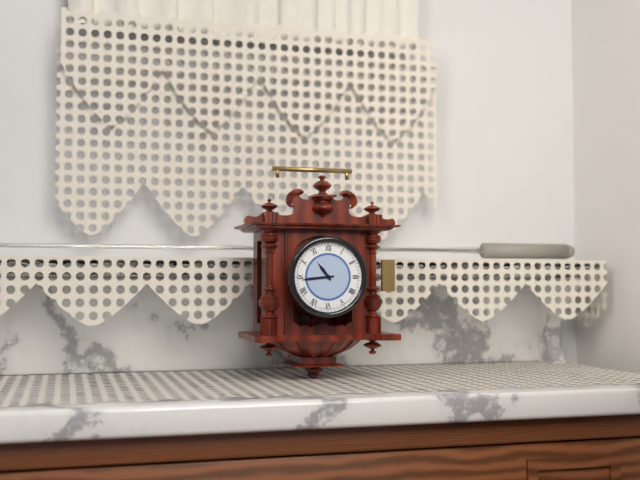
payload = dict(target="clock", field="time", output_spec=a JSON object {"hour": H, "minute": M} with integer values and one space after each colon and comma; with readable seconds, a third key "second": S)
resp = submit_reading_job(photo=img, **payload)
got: {"hour": 10, "minute": 44}
